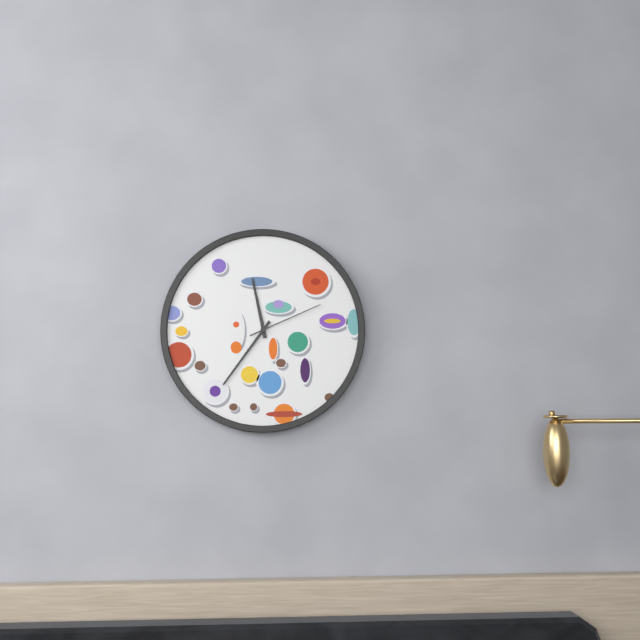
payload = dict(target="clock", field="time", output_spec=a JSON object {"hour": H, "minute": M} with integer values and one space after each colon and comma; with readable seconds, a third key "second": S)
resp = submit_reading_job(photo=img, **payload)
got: {"hour": 11, "minute": 36, "second": 11}
